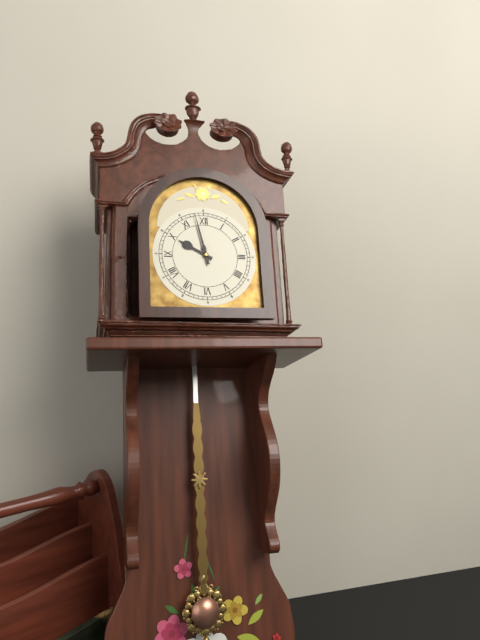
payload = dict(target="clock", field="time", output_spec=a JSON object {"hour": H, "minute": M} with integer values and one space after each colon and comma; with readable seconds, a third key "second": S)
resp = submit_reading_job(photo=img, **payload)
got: {"hour": 9, "minute": 58}
